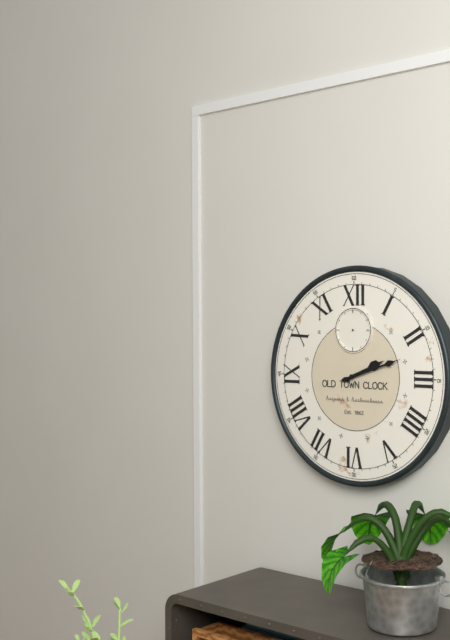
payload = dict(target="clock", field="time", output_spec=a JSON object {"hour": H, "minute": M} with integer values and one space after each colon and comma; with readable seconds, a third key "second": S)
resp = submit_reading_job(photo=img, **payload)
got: {"hour": 2, "minute": 12}
